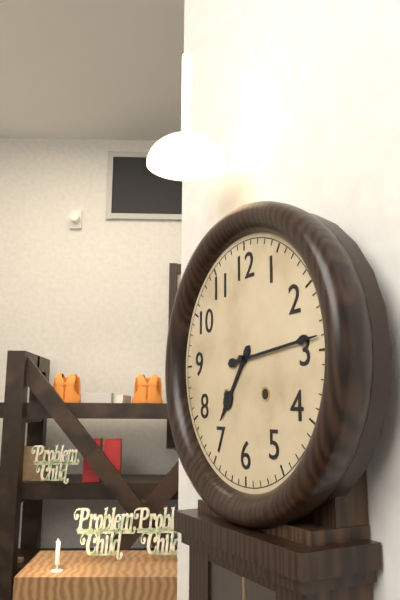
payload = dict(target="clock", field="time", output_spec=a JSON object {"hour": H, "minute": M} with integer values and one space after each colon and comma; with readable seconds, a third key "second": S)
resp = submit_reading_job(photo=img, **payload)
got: {"hour": 7, "minute": 14}
